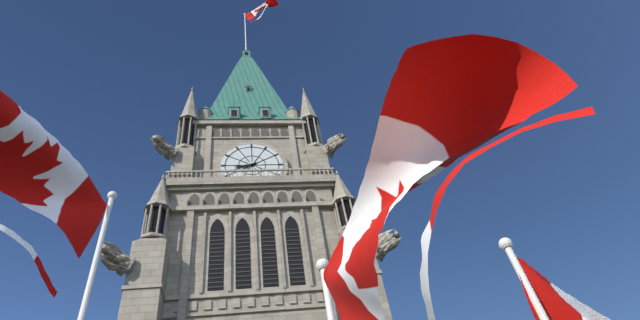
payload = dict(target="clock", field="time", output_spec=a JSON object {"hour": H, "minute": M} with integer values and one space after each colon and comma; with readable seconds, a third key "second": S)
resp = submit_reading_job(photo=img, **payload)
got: {"hour": 8, "minute": 41}
